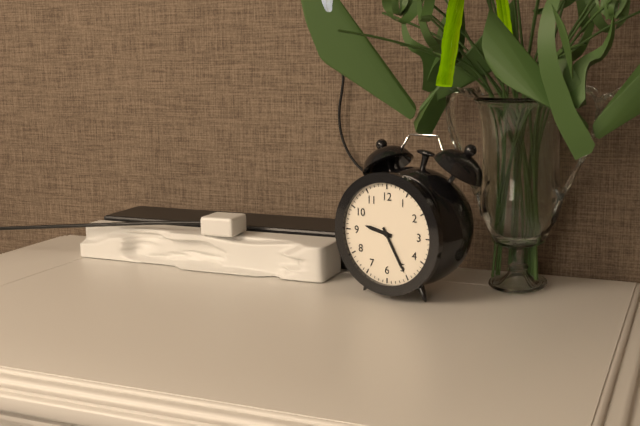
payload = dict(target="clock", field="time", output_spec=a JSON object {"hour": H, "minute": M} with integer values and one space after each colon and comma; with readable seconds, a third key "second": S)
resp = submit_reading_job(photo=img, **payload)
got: {"hour": 9, "minute": 25}
